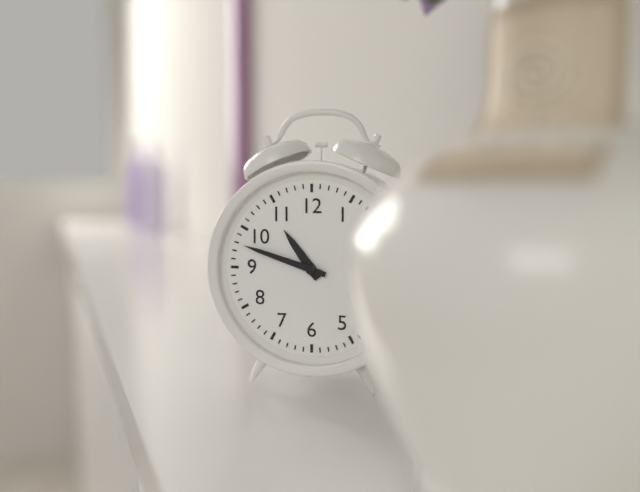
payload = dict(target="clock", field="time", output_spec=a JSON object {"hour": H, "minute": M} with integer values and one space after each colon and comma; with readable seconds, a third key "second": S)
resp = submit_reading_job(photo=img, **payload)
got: {"hour": 10, "minute": 48}
